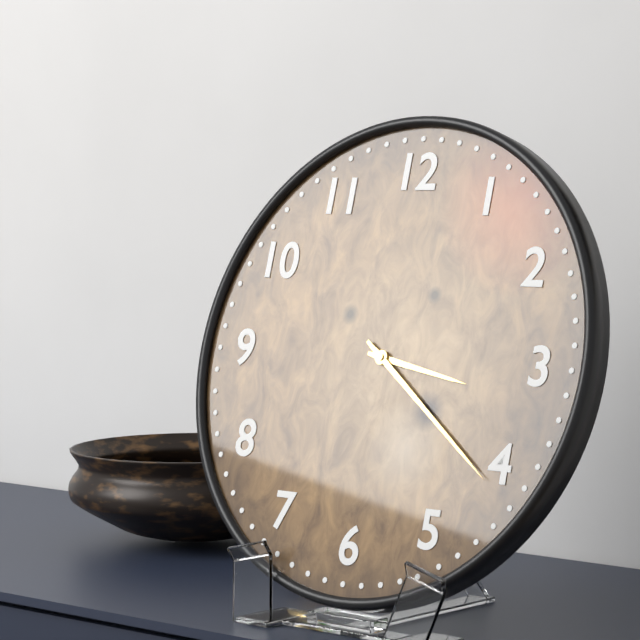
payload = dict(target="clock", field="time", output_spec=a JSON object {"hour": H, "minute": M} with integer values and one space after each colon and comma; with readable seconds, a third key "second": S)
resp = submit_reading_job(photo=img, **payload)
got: {"hour": 3, "minute": 21}
